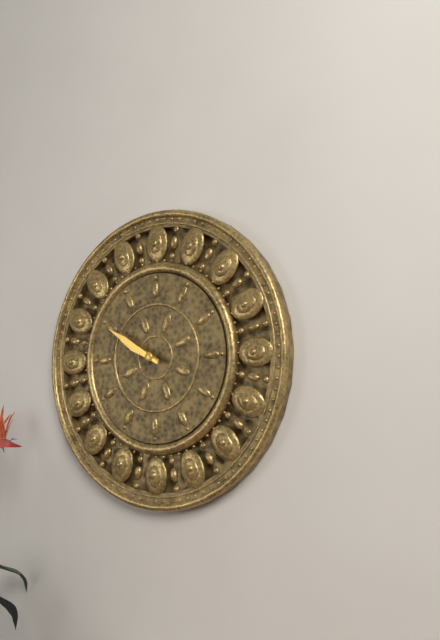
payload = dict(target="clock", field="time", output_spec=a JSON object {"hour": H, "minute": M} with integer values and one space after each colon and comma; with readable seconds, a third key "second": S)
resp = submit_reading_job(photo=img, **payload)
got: {"hour": 9, "minute": 50}
